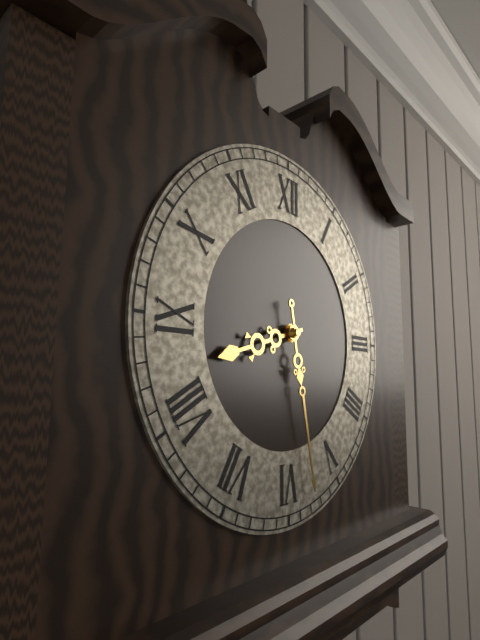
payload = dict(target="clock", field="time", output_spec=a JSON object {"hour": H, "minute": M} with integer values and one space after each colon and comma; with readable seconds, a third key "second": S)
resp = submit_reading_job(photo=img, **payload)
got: {"hour": 8, "minute": 28}
